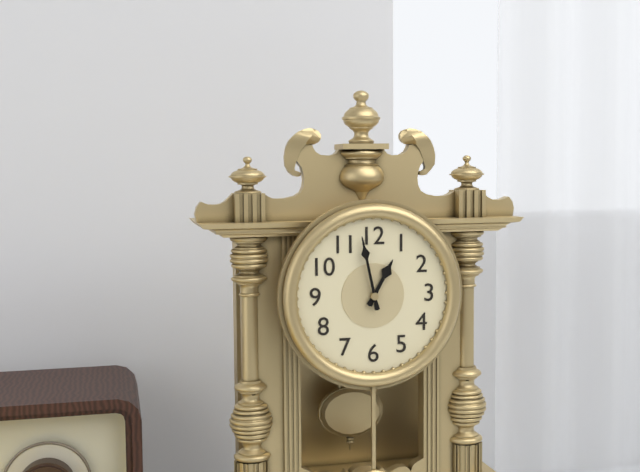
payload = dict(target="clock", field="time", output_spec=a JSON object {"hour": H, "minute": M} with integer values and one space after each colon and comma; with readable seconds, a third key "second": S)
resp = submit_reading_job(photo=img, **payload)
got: {"hour": 12, "minute": 58}
